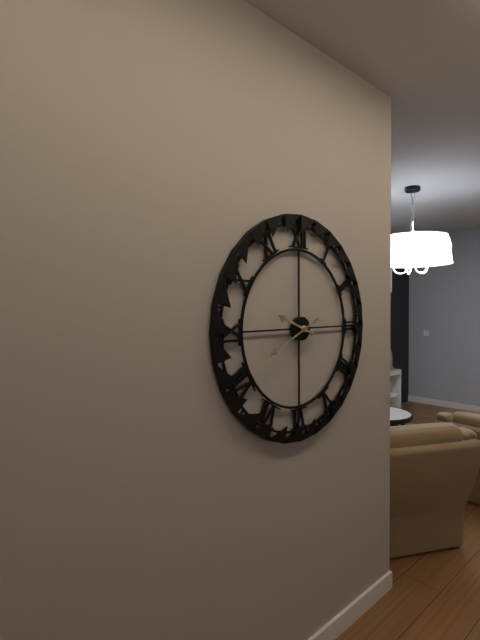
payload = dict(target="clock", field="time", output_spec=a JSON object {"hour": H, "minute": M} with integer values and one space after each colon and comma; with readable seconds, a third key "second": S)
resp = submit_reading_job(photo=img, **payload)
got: {"hour": 9, "minute": 41}
